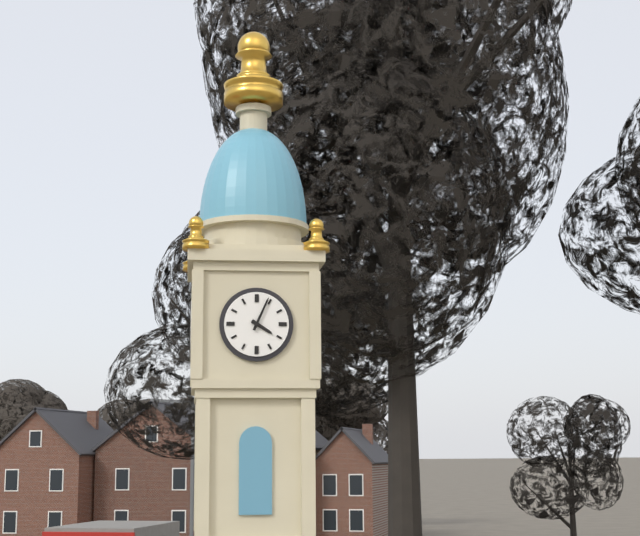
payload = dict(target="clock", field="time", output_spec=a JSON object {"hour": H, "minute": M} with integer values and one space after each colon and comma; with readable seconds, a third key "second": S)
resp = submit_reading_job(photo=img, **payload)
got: {"hour": 4, "minute": 4}
